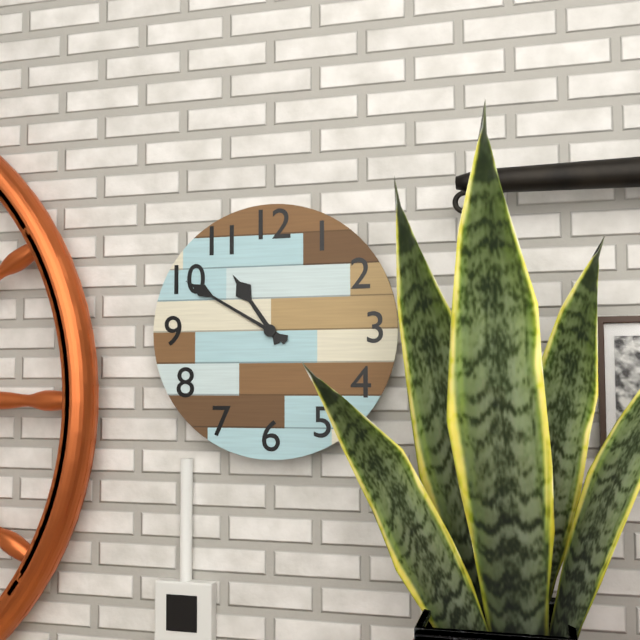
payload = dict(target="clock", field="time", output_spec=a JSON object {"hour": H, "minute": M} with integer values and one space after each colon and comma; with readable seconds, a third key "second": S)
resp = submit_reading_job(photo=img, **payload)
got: {"hour": 10, "minute": 50}
